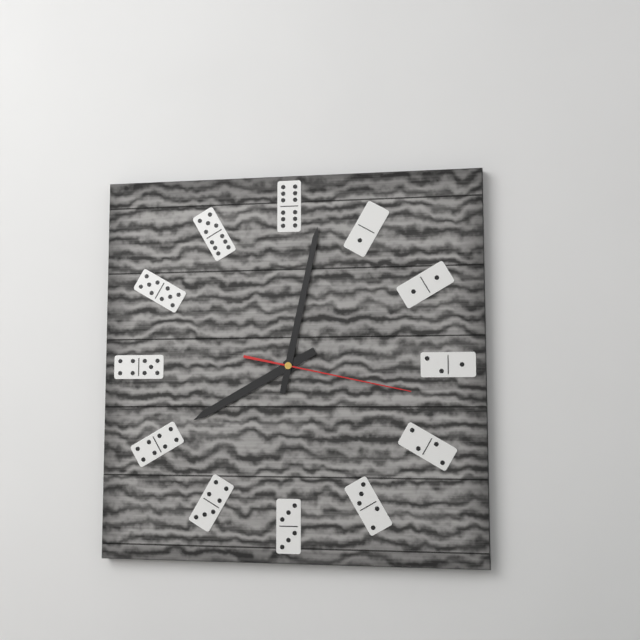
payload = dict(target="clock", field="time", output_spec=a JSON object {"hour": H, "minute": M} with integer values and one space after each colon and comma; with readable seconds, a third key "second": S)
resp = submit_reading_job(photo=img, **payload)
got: {"hour": 8, "minute": 2, "second": 17}
